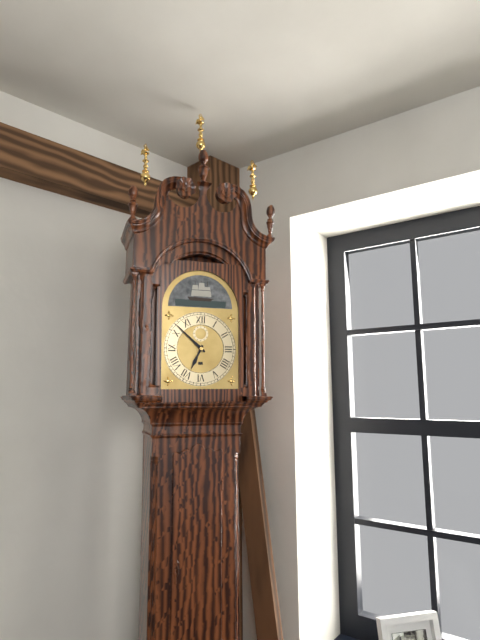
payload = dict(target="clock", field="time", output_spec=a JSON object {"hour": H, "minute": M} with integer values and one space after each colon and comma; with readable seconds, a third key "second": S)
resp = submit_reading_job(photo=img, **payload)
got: {"hour": 6, "minute": 52}
